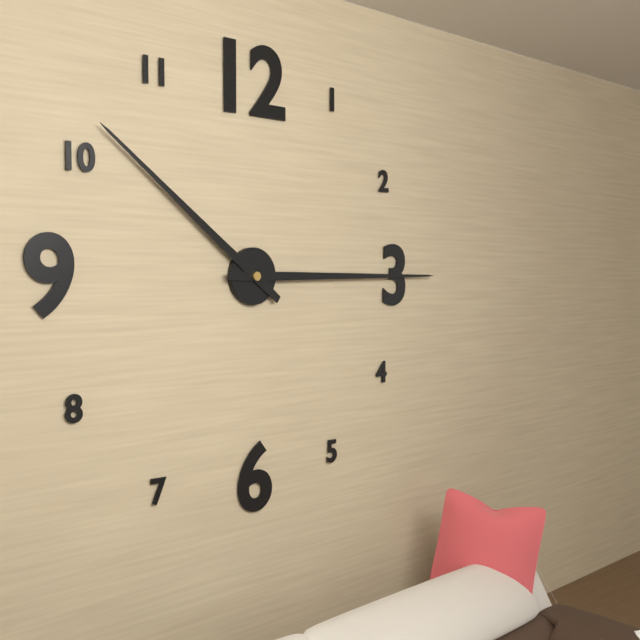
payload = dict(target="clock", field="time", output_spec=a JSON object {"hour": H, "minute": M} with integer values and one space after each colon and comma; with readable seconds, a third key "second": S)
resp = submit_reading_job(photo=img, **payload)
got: {"hour": 10, "minute": 15}
